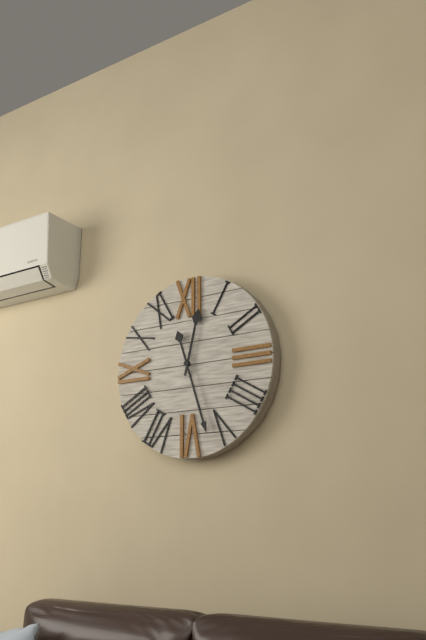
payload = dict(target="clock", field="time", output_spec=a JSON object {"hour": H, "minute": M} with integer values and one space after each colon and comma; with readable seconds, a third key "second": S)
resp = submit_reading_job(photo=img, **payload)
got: {"hour": 12, "minute": 27}
